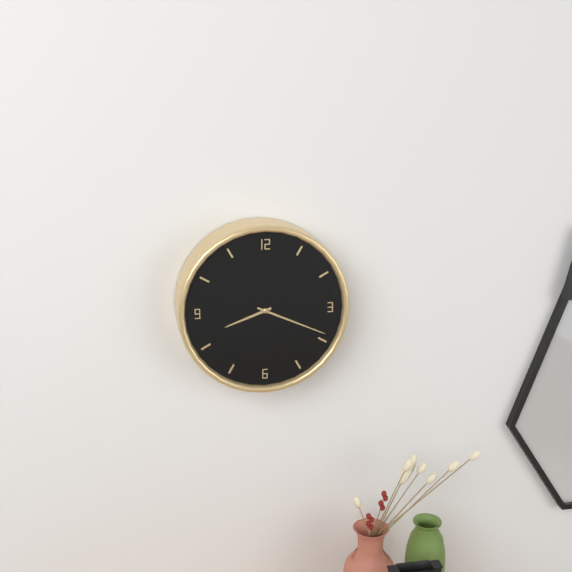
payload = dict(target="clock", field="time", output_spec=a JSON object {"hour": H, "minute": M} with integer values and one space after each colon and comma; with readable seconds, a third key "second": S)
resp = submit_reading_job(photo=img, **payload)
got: {"hour": 8, "minute": 19}
